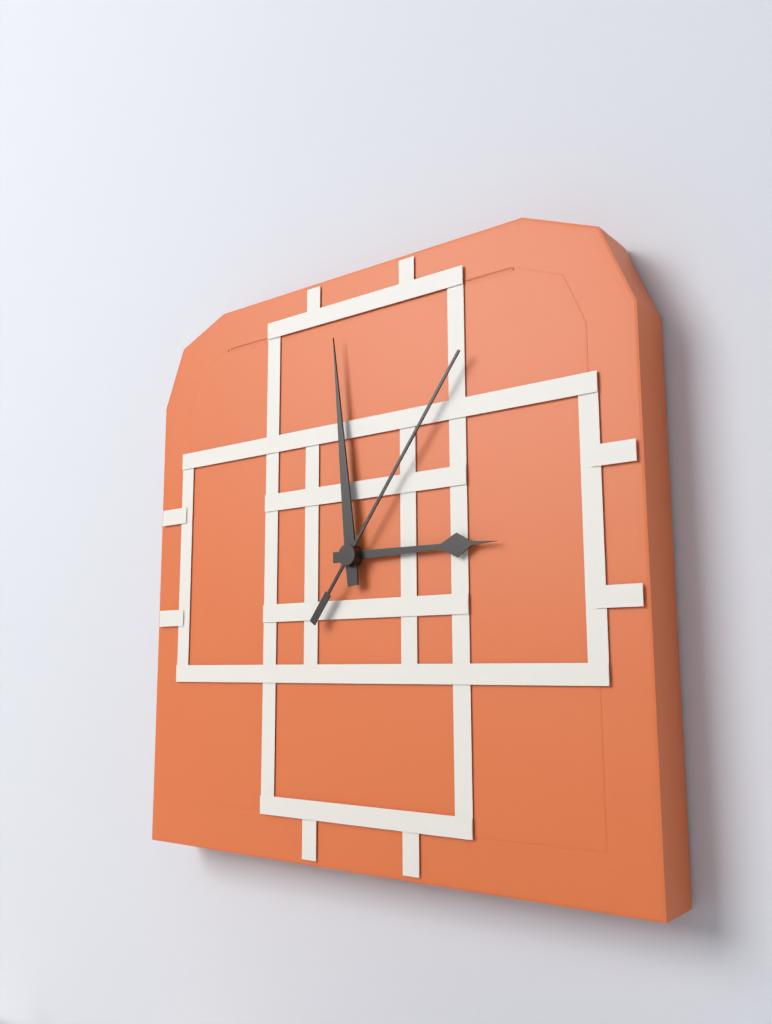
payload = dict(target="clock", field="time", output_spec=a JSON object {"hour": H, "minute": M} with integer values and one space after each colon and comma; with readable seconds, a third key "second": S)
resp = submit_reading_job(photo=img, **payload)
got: {"hour": 2, "minute": 59, "second": 6}
